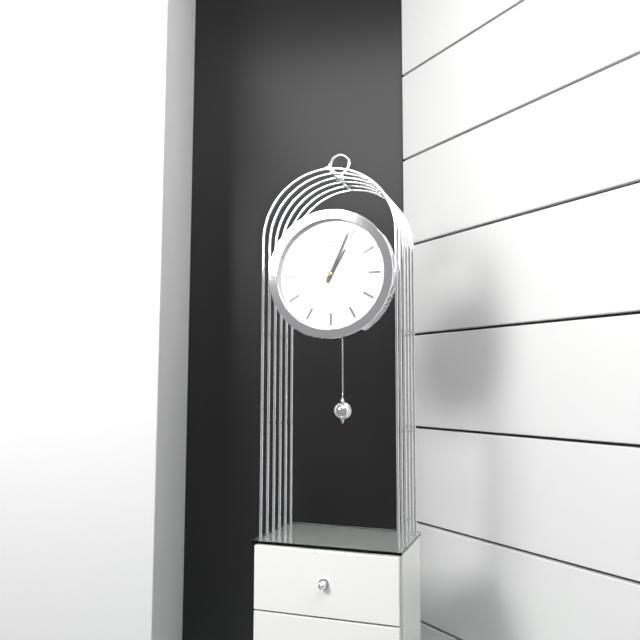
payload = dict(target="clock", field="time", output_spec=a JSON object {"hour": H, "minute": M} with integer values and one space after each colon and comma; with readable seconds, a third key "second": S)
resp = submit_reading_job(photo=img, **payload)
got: {"hour": 1, "minute": 4}
